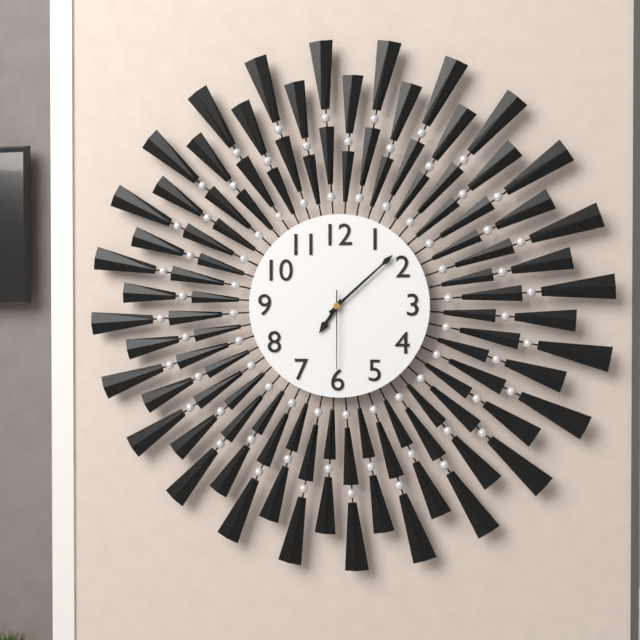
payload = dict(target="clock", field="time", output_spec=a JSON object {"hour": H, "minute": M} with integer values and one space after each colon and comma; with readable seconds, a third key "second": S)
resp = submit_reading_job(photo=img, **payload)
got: {"hour": 7, "minute": 8, "second": 30}
